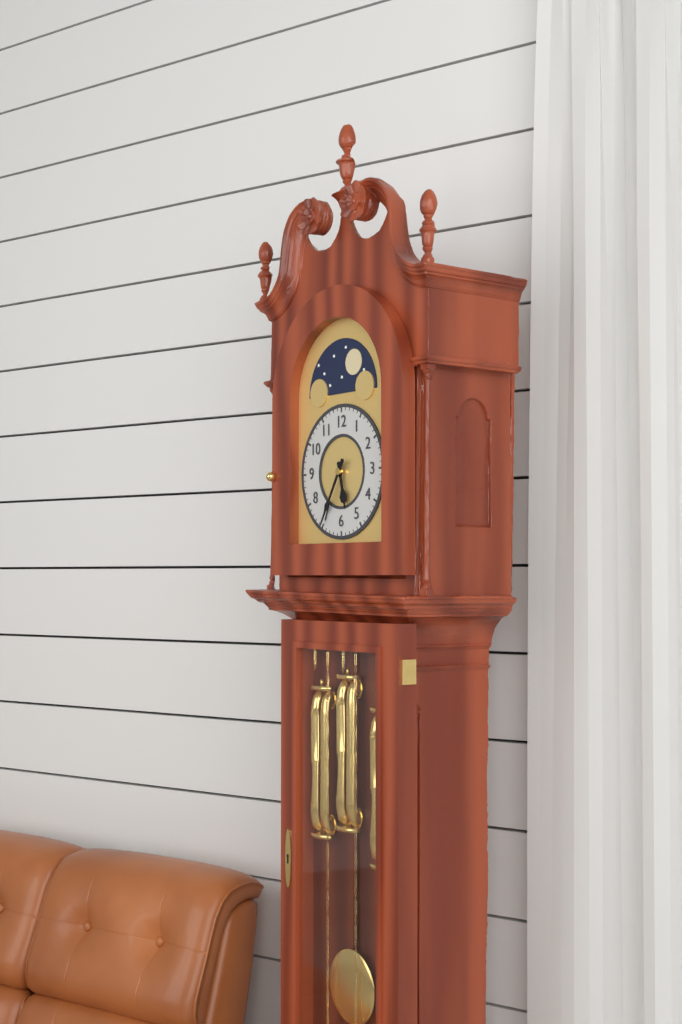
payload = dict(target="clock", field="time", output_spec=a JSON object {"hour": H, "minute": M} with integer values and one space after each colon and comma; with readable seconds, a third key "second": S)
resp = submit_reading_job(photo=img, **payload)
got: {"hour": 5, "minute": 35}
